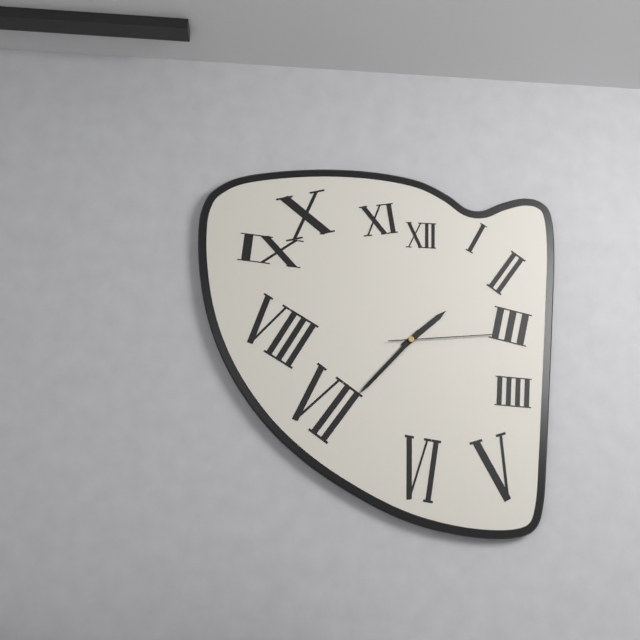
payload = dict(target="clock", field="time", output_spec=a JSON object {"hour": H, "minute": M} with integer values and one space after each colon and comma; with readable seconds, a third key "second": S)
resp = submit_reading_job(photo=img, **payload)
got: {"hour": 1, "minute": 37, "second": 14}
